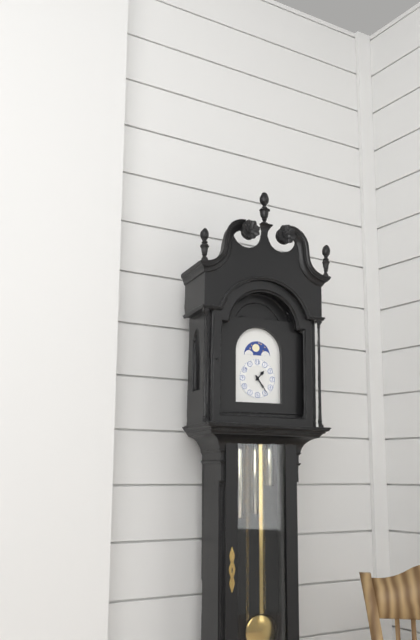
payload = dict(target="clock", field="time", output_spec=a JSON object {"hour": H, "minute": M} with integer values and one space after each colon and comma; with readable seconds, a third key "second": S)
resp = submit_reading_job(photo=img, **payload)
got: {"hour": 1, "minute": 24}
